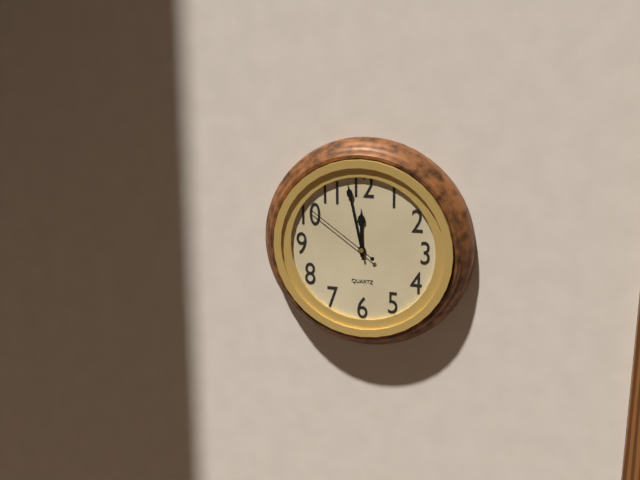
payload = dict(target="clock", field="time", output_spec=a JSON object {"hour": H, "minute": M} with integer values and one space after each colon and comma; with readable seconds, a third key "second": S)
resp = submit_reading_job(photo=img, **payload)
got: {"hour": 11, "minute": 58, "second": 51}
